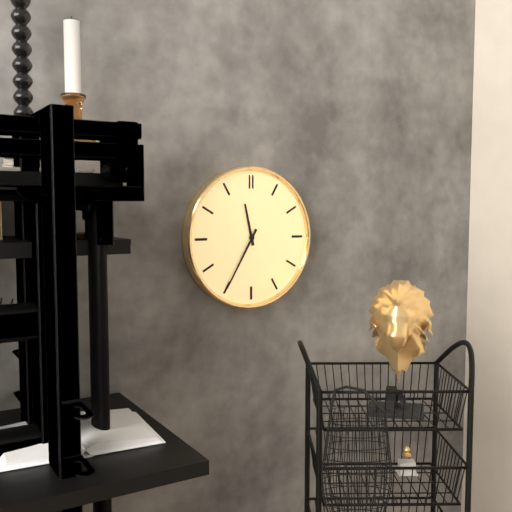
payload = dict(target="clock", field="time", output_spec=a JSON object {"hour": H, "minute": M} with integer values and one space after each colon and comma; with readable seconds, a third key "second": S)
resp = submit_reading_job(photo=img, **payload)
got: {"hour": 11, "minute": 35}
